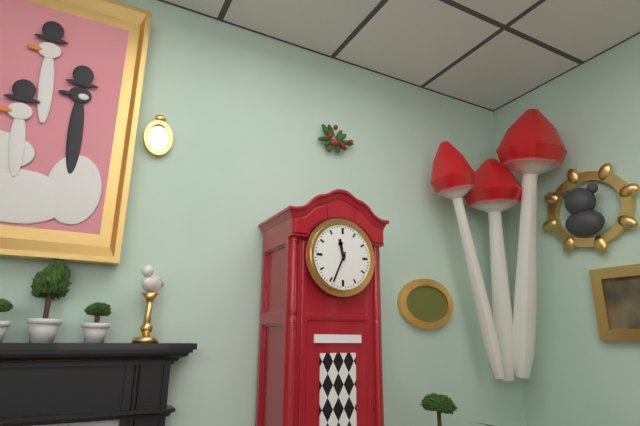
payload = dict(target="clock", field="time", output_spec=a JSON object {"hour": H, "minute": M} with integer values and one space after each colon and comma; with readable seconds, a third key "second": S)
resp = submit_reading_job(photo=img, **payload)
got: {"hour": 11, "minute": 34}
